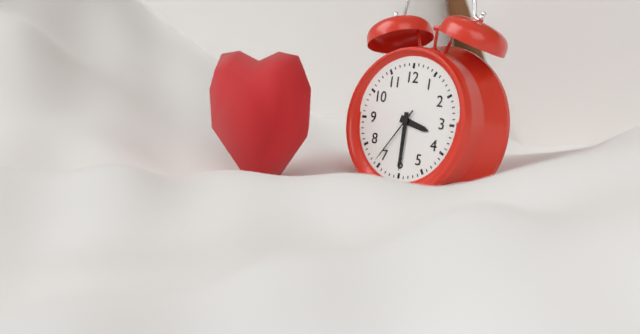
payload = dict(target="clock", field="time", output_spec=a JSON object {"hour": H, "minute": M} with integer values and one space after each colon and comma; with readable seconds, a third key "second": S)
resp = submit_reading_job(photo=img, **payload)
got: {"hour": 3, "minute": 30, "second": 36}
